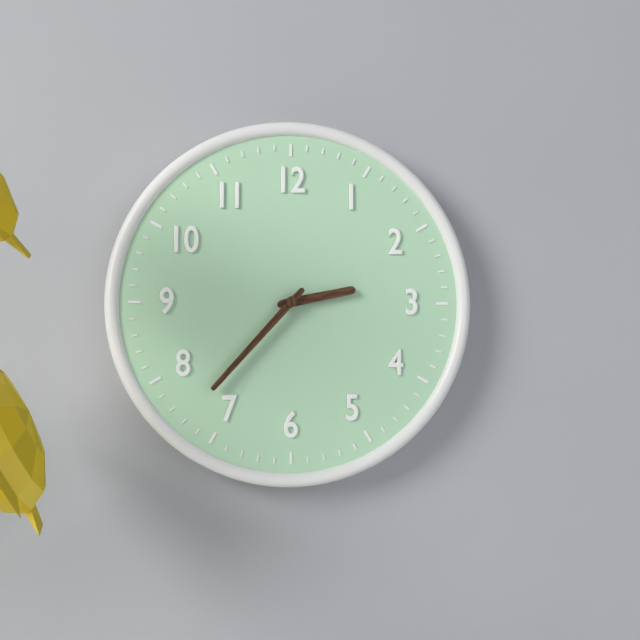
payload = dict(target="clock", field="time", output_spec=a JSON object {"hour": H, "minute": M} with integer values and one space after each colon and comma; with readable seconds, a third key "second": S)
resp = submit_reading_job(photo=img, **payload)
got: {"hour": 2, "minute": 37}
